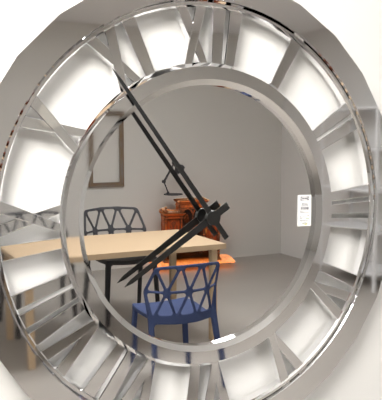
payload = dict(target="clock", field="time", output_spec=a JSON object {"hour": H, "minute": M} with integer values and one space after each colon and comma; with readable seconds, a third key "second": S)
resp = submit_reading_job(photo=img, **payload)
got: {"hour": 7, "minute": 54}
